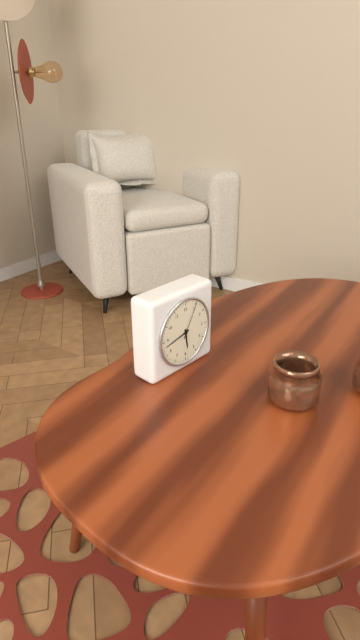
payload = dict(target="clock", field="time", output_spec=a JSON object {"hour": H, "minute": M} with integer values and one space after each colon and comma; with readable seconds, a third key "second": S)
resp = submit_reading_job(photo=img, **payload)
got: {"hour": 5, "minute": 43}
